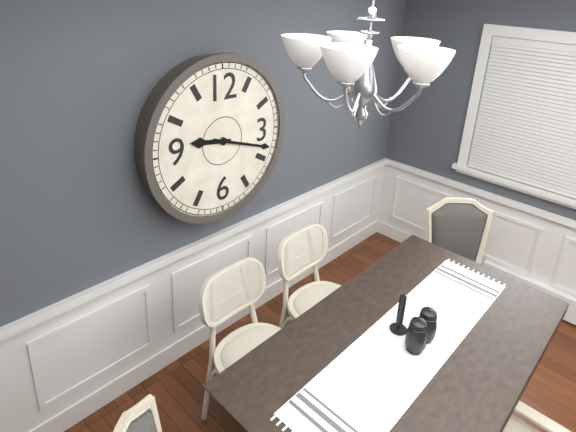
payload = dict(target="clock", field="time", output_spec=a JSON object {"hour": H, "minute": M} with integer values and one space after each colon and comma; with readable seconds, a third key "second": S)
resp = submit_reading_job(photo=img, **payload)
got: {"hour": 9, "minute": 18}
